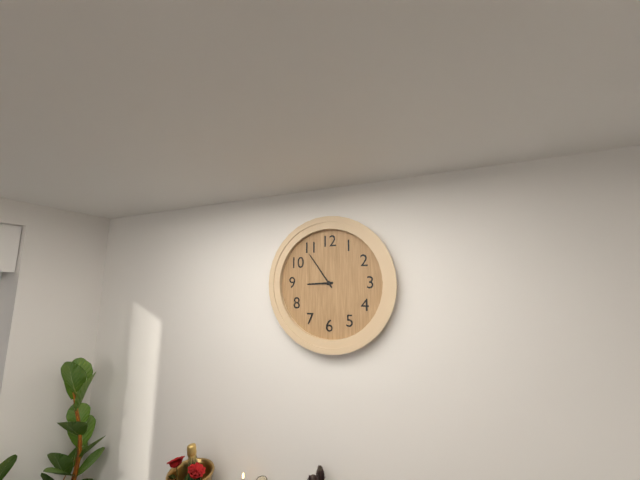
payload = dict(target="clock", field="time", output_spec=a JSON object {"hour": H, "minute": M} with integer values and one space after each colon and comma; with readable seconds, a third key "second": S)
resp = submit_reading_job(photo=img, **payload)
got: {"hour": 8, "minute": 54}
